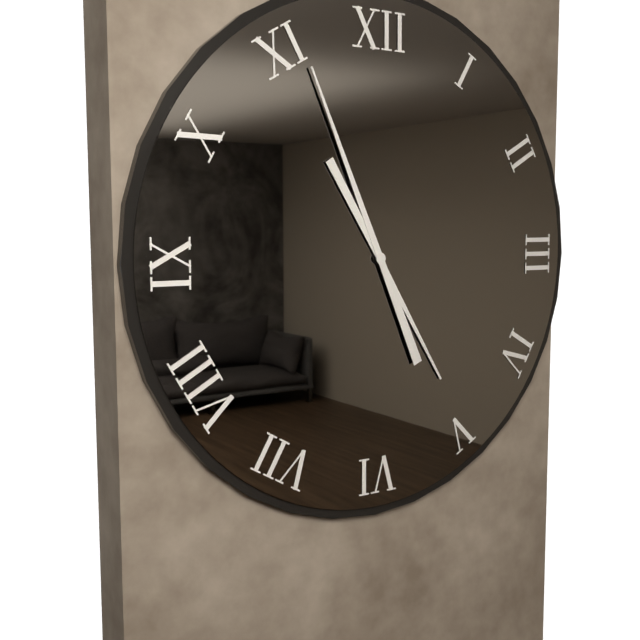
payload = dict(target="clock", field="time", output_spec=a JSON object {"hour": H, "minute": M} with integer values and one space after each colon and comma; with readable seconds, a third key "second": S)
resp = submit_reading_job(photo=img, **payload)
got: {"hour": 4, "minute": 56}
